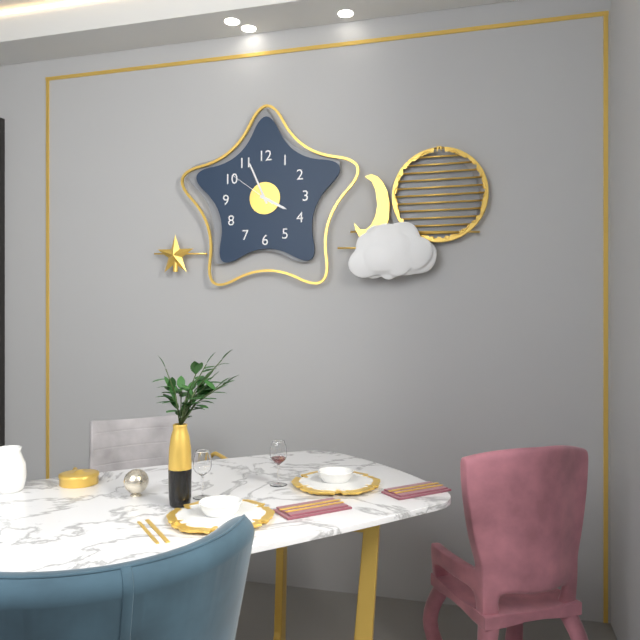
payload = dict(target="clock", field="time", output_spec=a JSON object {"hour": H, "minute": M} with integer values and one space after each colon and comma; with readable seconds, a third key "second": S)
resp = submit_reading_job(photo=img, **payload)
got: {"hour": 3, "minute": 56, "second": 51}
